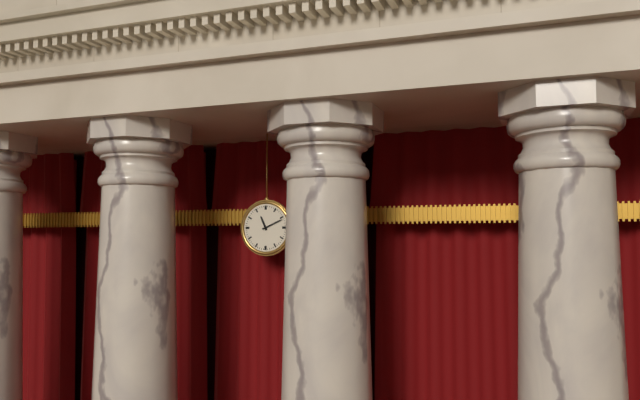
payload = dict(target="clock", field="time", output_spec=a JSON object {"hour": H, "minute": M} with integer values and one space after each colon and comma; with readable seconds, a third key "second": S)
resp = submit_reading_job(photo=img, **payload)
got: {"hour": 11, "minute": 11}
